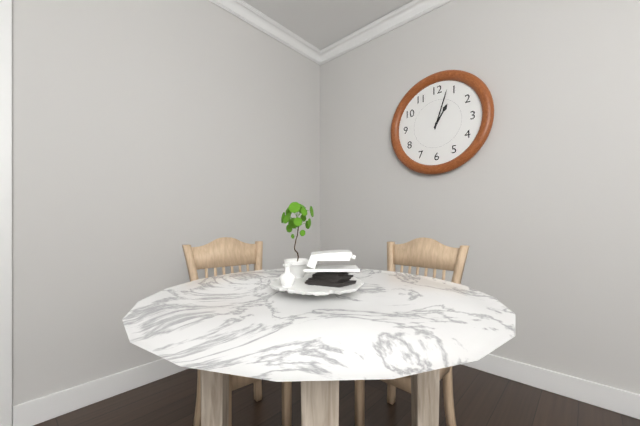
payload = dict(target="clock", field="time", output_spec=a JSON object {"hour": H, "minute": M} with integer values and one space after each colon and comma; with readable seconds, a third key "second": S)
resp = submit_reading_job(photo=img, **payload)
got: {"hour": 1, "minute": 3}
